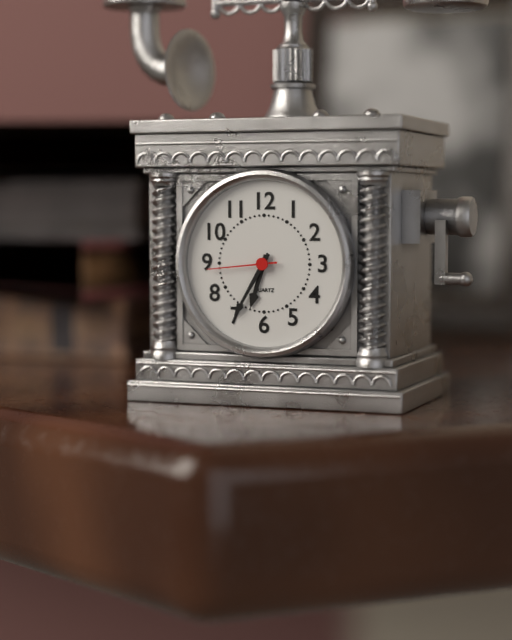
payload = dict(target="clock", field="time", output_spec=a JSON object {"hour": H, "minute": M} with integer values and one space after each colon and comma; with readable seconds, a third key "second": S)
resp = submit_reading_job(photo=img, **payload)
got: {"hour": 6, "minute": 35, "second": 44}
